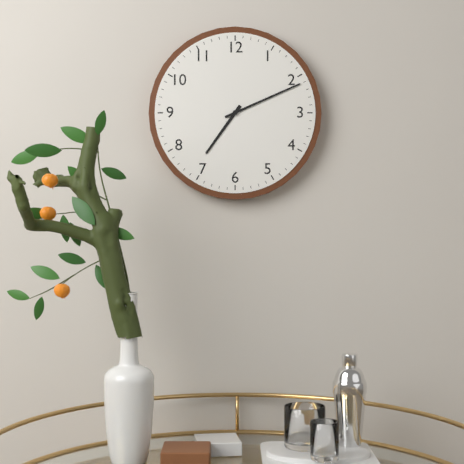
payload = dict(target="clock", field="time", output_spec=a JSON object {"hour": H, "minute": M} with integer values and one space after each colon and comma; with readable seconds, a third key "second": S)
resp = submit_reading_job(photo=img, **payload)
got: {"hour": 7, "minute": 11}
